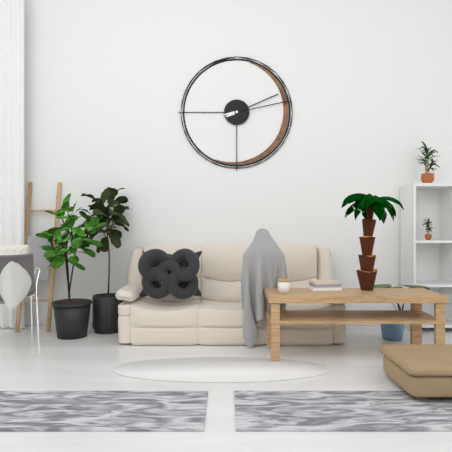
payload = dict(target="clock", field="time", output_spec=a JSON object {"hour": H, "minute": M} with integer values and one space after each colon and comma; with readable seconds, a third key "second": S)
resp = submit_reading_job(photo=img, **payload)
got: {"hour": 2, "minute": 13}
